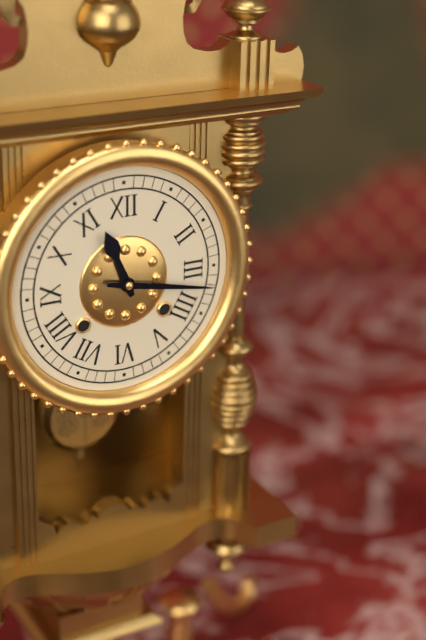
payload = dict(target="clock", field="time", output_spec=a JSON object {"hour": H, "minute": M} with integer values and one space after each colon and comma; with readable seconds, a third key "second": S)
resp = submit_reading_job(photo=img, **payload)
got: {"hour": 11, "minute": 17}
